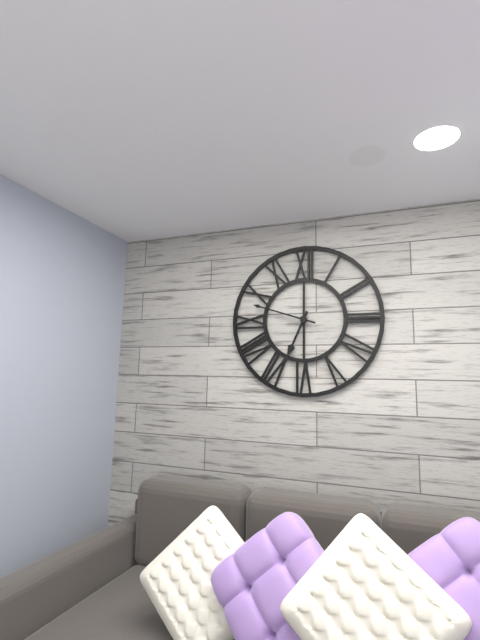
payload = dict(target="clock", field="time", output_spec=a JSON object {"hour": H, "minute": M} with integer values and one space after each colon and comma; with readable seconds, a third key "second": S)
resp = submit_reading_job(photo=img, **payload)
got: {"hour": 6, "minute": 48}
